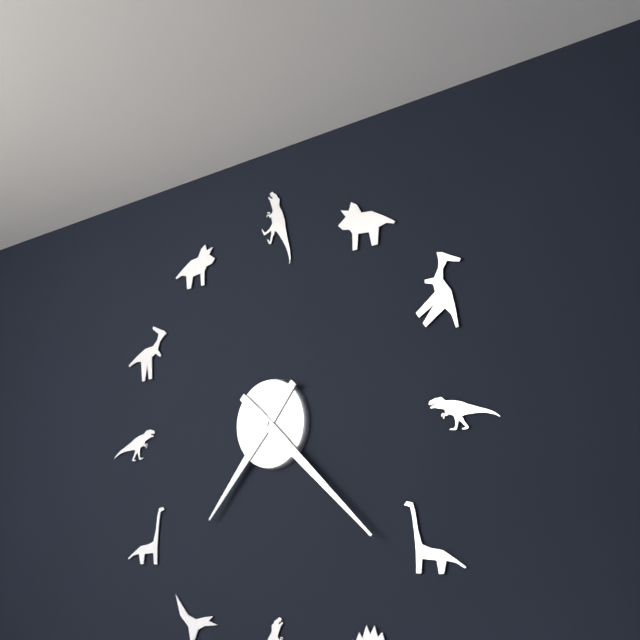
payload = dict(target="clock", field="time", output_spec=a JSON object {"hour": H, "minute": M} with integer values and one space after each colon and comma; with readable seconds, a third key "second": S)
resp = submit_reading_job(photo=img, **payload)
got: {"hour": 7, "minute": 22}
